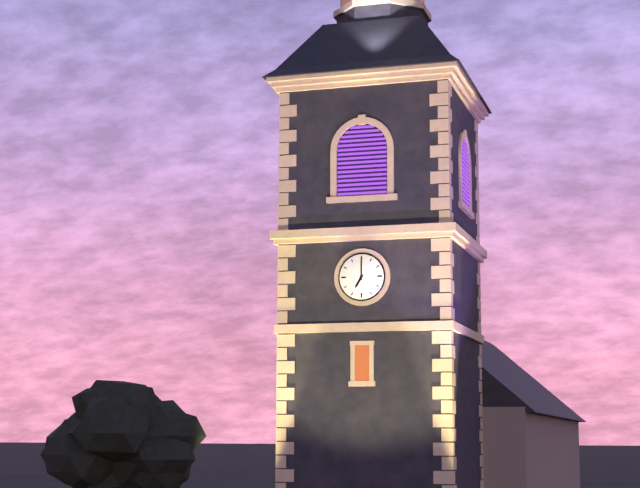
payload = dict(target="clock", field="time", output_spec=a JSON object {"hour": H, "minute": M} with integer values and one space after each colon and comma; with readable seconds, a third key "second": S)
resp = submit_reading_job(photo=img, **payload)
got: {"hour": 7, "minute": 0}
